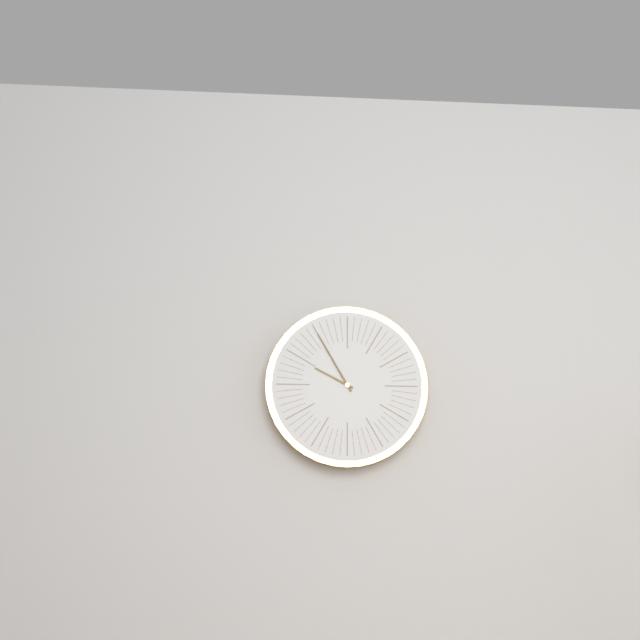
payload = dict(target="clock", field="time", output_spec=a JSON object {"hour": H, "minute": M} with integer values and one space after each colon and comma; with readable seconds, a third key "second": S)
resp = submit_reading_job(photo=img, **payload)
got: {"hour": 9, "minute": 55}
